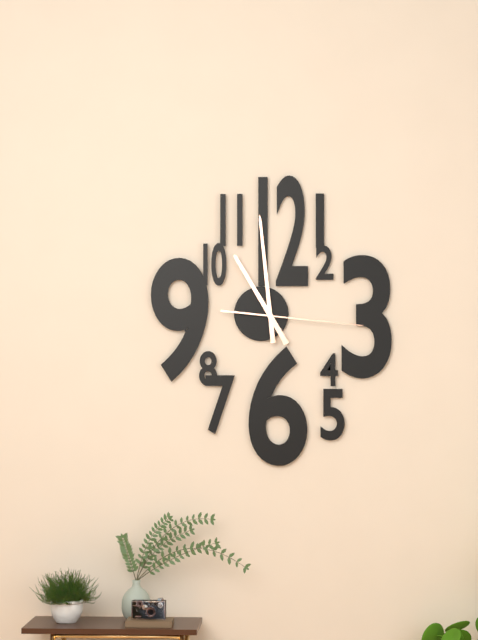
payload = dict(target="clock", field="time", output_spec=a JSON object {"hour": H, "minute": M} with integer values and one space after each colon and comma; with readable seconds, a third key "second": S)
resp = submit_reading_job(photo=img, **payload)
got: {"hour": 10, "minute": 59, "second": 16}
